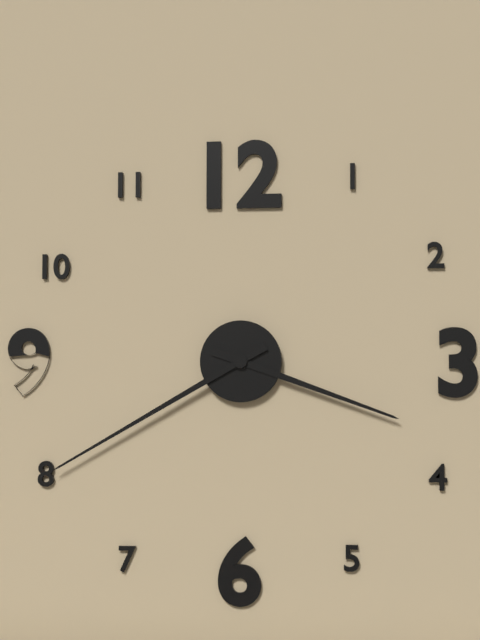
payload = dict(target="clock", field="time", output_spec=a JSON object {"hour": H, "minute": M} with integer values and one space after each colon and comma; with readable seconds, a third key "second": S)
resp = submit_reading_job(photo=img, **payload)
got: {"hour": 3, "minute": 40}
